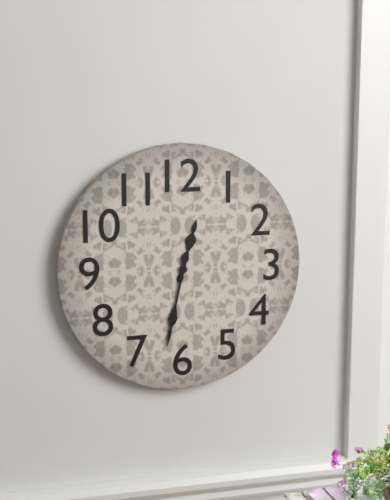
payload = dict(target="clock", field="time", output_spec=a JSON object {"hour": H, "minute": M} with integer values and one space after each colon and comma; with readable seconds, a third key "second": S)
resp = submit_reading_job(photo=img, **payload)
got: {"hour": 12, "minute": 32}
